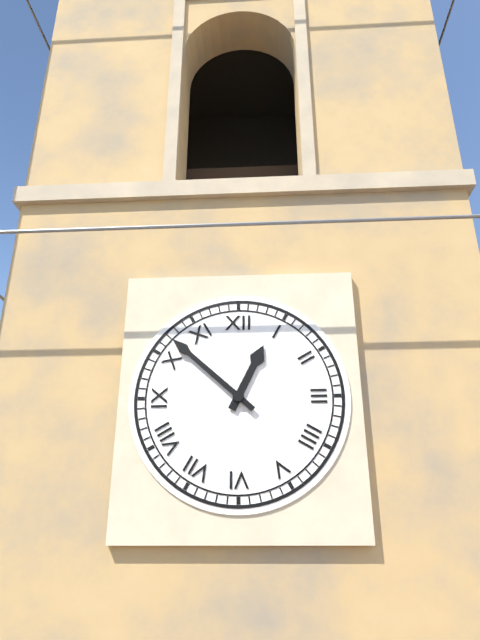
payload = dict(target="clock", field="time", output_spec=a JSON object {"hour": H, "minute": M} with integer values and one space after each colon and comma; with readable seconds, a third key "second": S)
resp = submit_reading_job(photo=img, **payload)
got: {"hour": 12, "minute": 52}
